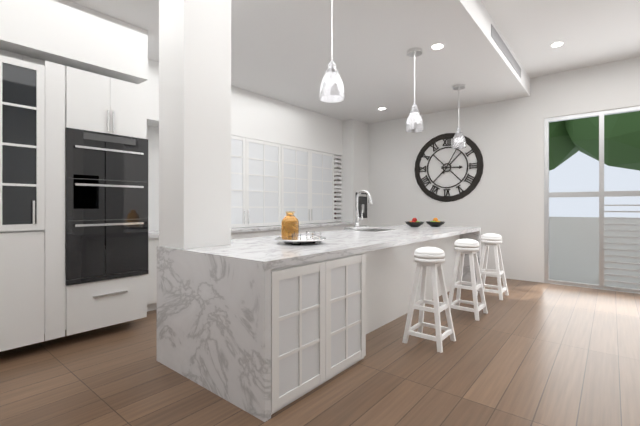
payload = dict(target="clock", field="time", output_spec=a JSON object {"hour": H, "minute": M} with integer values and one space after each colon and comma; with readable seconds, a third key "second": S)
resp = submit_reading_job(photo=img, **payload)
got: {"hour": 3, "minute": 5}
